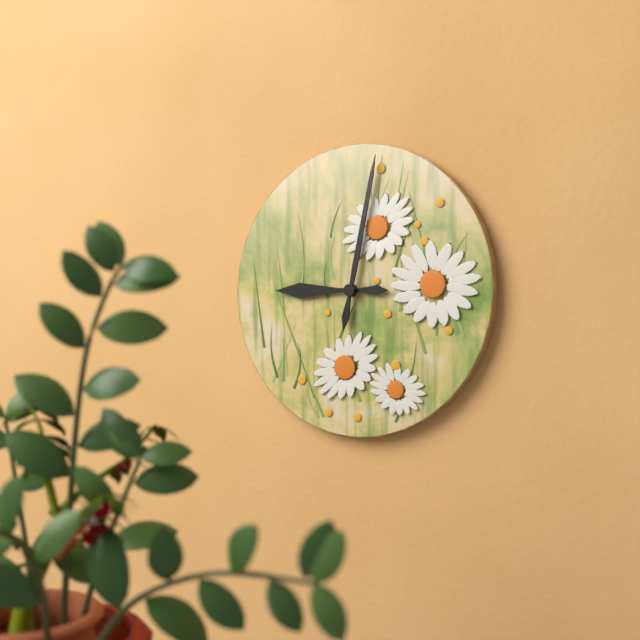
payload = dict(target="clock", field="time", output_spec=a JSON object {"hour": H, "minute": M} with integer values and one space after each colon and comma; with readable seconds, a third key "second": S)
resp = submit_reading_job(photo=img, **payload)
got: {"hour": 9, "minute": 2}
